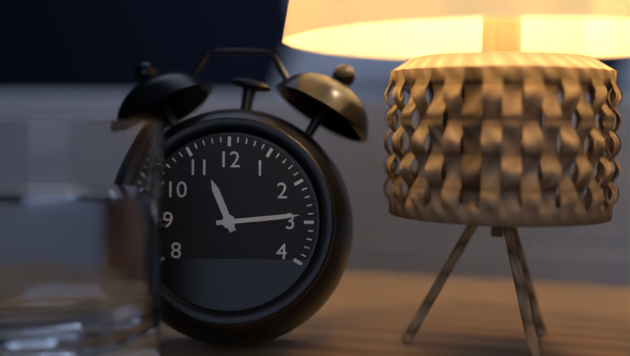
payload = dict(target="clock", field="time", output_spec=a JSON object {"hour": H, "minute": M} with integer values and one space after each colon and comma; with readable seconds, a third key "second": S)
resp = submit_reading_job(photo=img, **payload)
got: {"hour": 11, "minute": 14}
